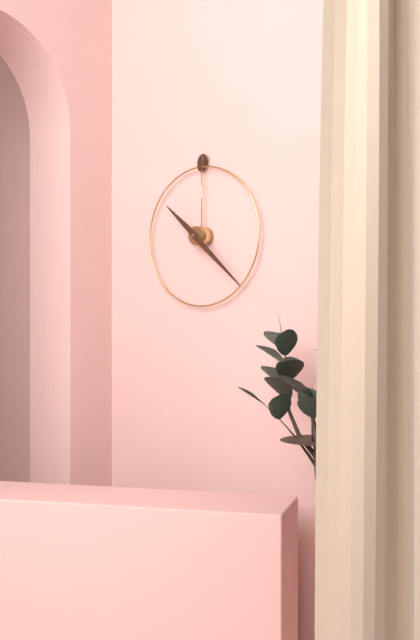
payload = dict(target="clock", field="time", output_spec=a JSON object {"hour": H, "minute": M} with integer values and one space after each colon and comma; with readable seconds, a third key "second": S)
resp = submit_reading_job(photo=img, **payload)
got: {"hour": 10, "minute": 22}
